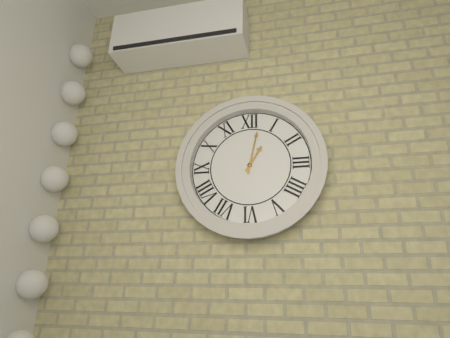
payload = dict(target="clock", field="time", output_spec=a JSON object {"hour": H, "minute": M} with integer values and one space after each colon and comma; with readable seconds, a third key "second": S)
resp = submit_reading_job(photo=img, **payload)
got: {"hour": 1, "minute": 2}
